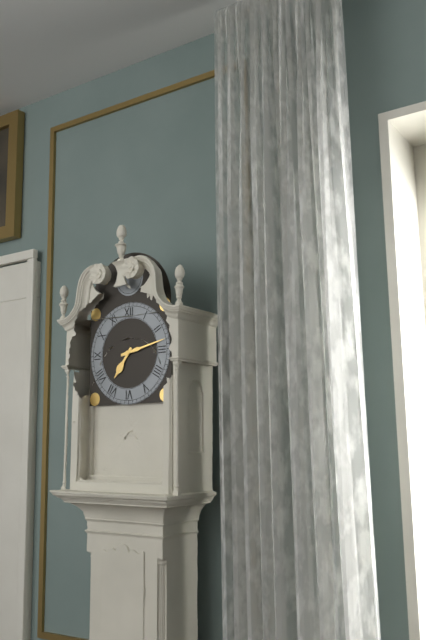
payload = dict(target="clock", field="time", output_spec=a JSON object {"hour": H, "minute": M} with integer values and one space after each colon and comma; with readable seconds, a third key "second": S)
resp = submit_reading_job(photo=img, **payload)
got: {"hour": 7, "minute": 13}
